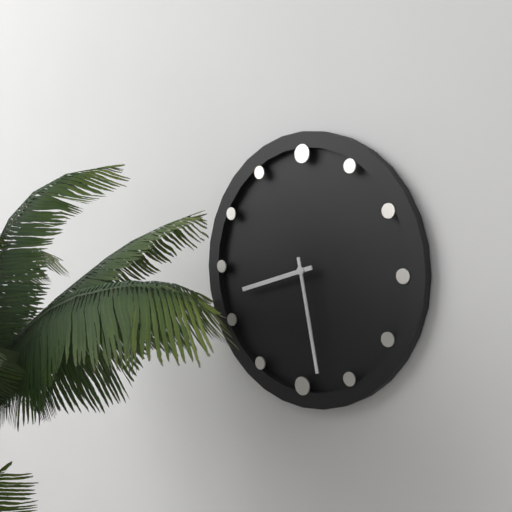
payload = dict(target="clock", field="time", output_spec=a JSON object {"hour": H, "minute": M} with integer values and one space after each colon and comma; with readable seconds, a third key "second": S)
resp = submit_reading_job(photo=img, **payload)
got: {"hour": 8, "minute": 28}
